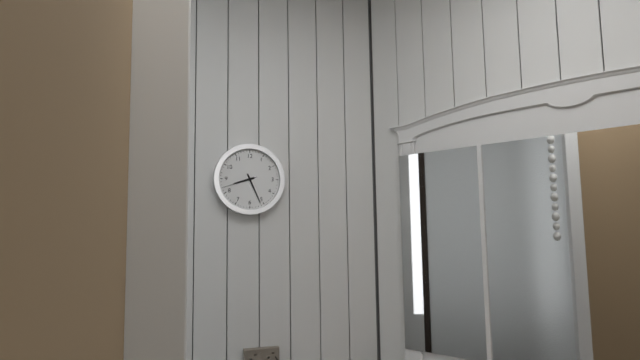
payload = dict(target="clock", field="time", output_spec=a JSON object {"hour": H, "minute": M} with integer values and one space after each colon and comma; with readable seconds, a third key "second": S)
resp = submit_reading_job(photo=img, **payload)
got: {"hour": 8, "minute": 26}
